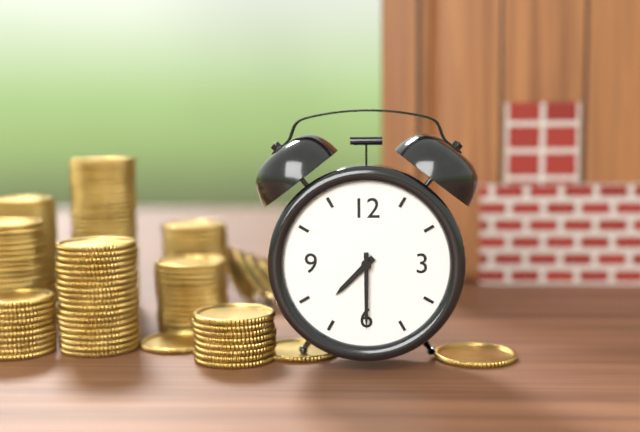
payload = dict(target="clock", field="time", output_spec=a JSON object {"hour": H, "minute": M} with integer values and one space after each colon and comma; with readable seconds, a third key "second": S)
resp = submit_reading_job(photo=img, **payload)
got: {"hour": 7, "minute": 30}
